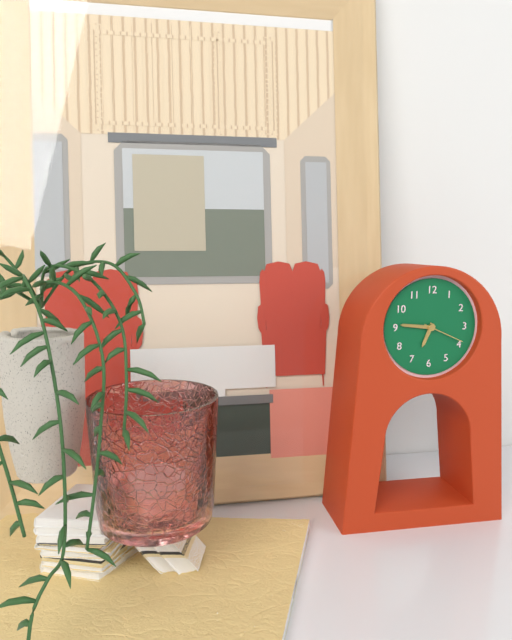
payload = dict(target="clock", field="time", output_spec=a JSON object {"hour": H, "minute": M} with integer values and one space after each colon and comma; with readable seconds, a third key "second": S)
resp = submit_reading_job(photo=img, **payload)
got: {"hour": 6, "minute": 46}
